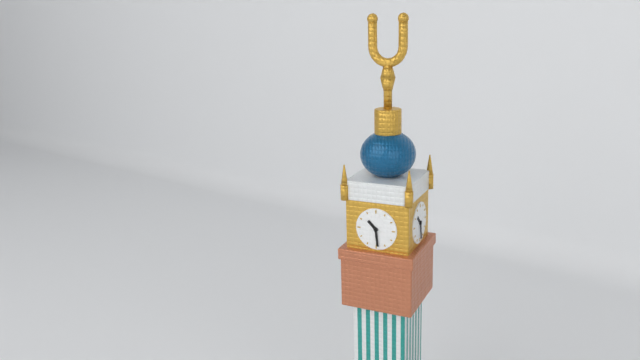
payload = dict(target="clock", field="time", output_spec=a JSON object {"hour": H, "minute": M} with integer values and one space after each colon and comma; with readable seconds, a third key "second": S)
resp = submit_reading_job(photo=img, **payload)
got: {"hour": 10, "minute": 29}
